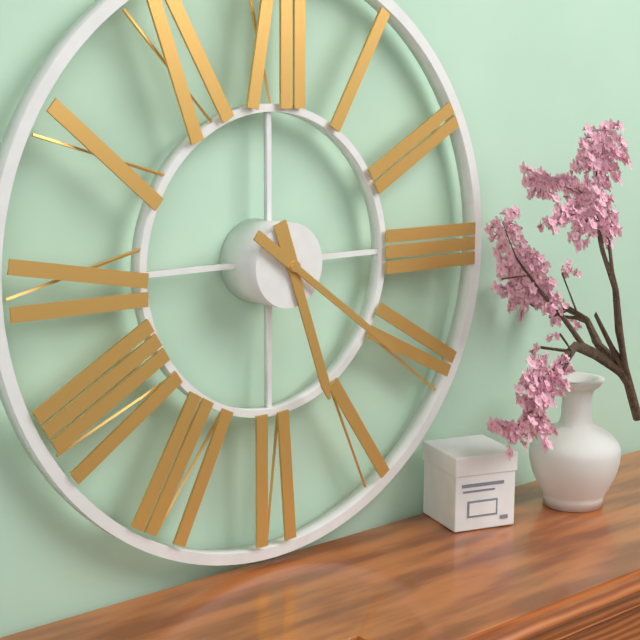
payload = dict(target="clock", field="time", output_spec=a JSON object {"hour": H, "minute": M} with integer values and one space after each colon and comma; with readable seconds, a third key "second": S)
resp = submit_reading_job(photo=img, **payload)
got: {"hour": 5, "minute": 21}
